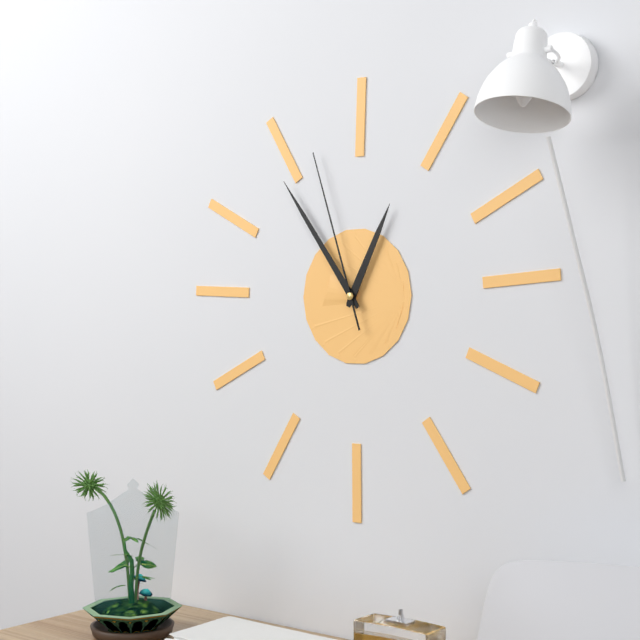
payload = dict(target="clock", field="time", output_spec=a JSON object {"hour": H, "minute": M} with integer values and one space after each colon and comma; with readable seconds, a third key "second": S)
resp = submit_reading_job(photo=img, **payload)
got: {"hour": 12, "minute": 54, "second": 57}
